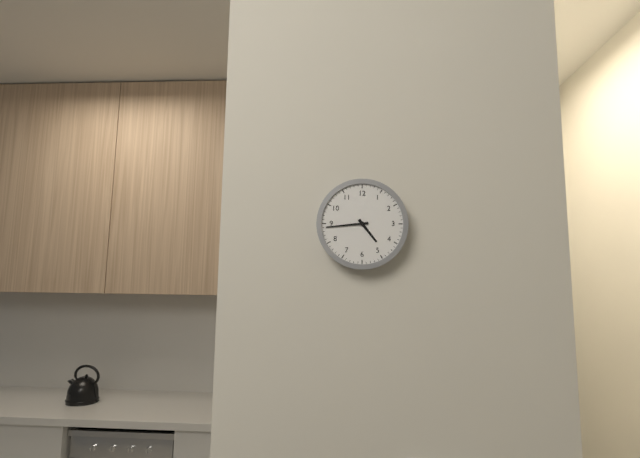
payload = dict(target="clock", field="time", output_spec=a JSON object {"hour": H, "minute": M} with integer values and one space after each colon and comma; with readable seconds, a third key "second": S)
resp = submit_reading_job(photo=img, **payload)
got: {"hour": 4, "minute": 44}
